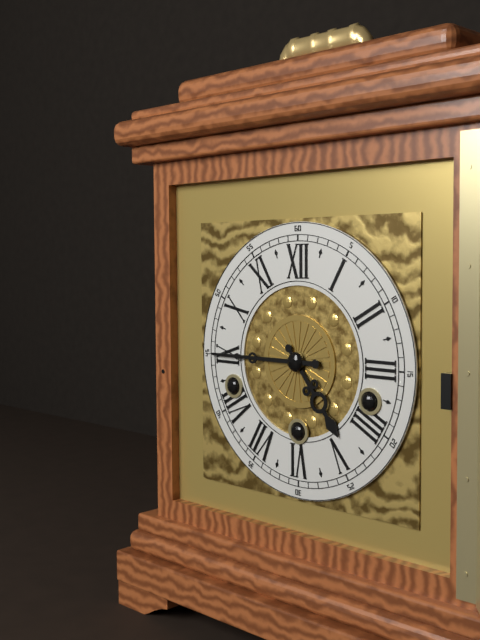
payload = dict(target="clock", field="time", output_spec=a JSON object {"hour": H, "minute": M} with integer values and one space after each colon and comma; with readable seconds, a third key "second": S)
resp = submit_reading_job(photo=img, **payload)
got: {"hour": 4, "minute": 45}
